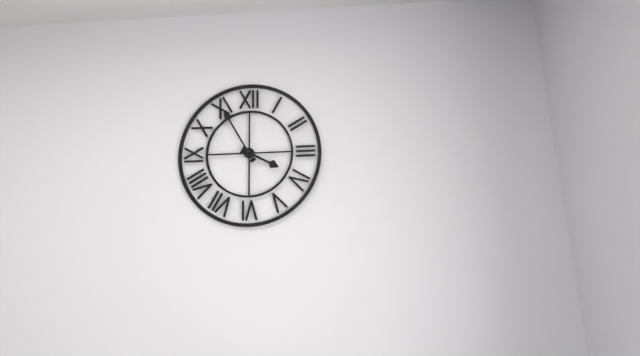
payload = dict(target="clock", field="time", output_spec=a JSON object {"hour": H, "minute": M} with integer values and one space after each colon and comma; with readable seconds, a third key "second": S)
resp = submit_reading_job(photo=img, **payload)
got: {"hour": 3, "minute": 55}
